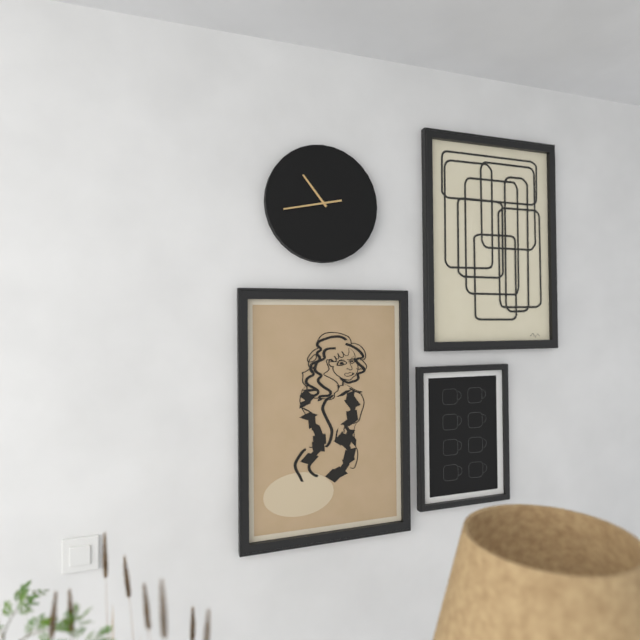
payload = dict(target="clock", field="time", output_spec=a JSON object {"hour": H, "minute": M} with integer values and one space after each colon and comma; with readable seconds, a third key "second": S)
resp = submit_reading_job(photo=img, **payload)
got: {"hour": 10, "minute": 43}
